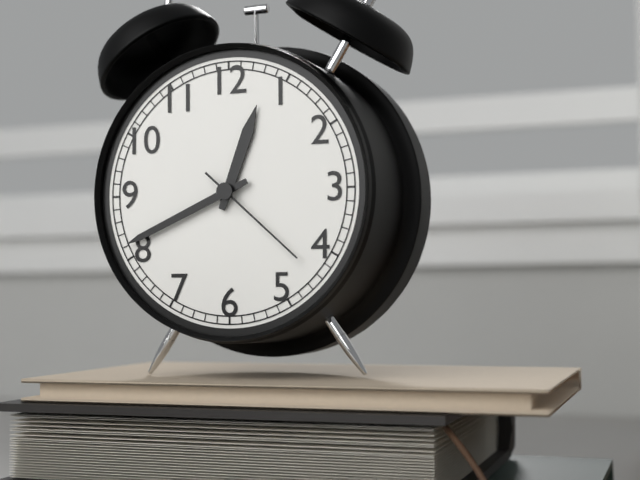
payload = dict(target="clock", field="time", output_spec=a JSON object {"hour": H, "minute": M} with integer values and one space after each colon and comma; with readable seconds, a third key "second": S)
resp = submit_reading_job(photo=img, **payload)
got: {"hour": 12, "minute": 41, "second": 22}
